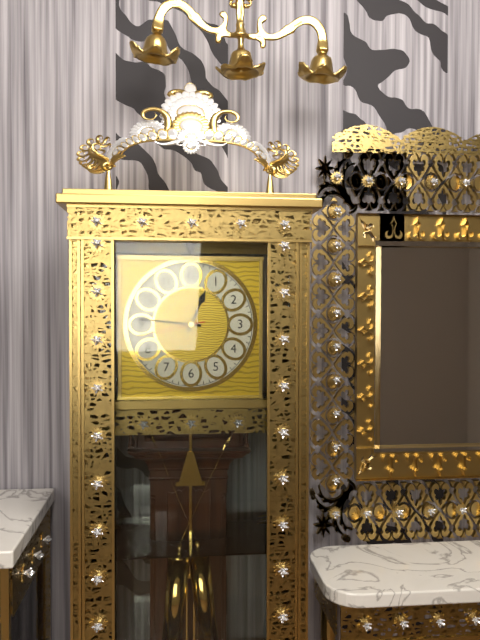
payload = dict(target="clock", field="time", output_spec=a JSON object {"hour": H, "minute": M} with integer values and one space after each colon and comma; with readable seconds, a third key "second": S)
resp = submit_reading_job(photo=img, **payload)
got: {"hour": 12, "minute": 46, "second": 43}
